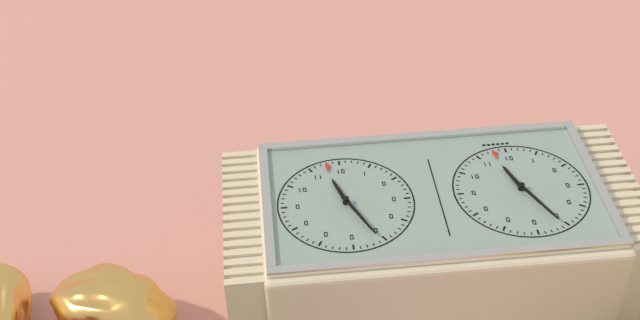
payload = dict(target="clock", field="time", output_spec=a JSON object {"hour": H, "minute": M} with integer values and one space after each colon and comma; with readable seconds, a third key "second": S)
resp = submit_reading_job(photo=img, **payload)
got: {"hour": 11, "minute": 26}
